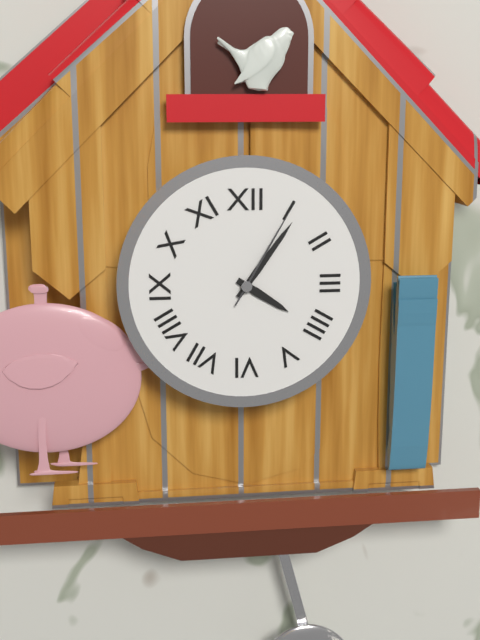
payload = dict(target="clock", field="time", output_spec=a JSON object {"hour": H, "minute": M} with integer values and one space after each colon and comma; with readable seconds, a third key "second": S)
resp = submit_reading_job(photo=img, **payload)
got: {"hour": 4, "minute": 6, "second": 5}
